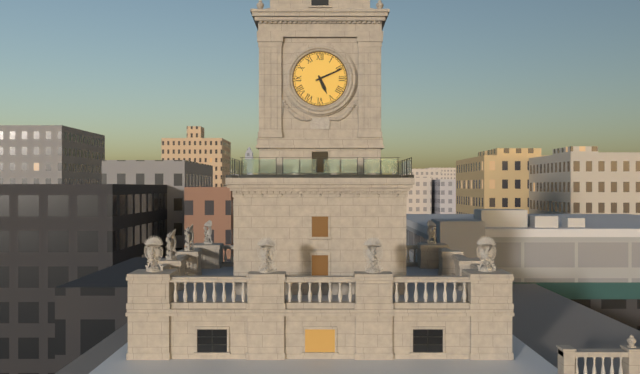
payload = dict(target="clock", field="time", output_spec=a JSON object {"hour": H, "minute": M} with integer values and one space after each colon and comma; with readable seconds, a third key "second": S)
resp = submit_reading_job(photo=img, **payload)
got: {"hour": 5, "minute": 11}
